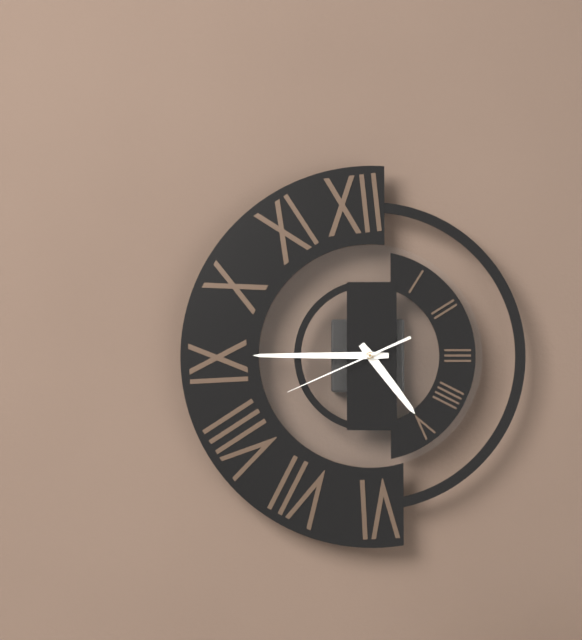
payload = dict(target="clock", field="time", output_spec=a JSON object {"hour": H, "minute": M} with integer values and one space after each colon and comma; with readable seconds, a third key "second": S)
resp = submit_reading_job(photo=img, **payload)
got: {"hour": 4, "minute": 45, "second": 41}
